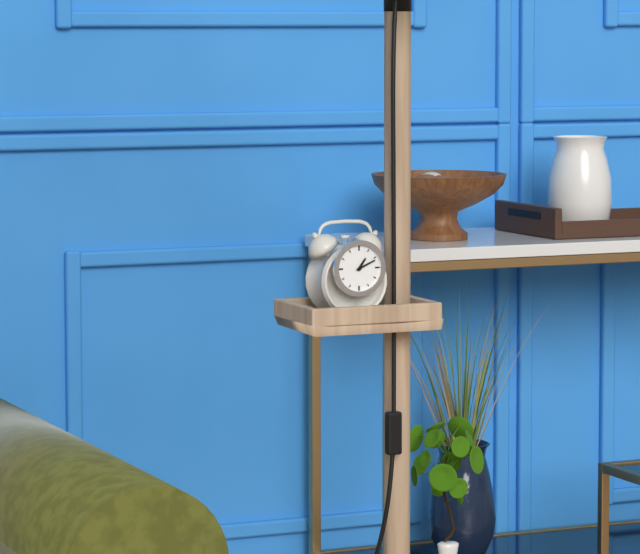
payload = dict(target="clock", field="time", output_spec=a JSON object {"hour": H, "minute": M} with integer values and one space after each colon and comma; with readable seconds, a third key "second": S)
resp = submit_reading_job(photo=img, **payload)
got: {"hour": 1, "minute": 11}
